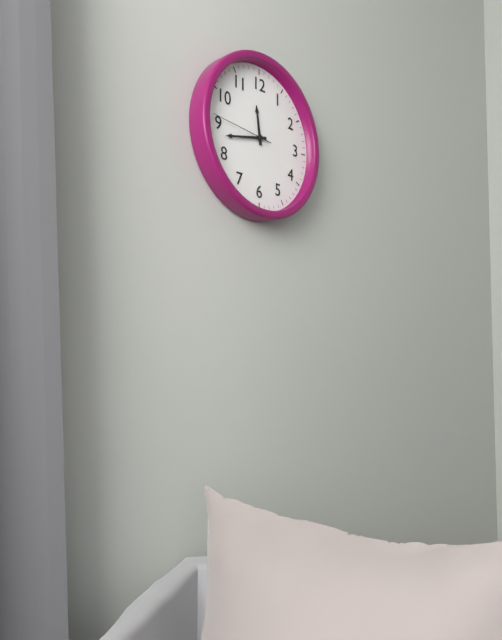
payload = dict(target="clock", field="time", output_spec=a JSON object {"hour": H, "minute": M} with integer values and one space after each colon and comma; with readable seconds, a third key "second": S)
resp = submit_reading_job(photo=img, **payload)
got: {"hour": 11, "minute": 43, "second": 46}
